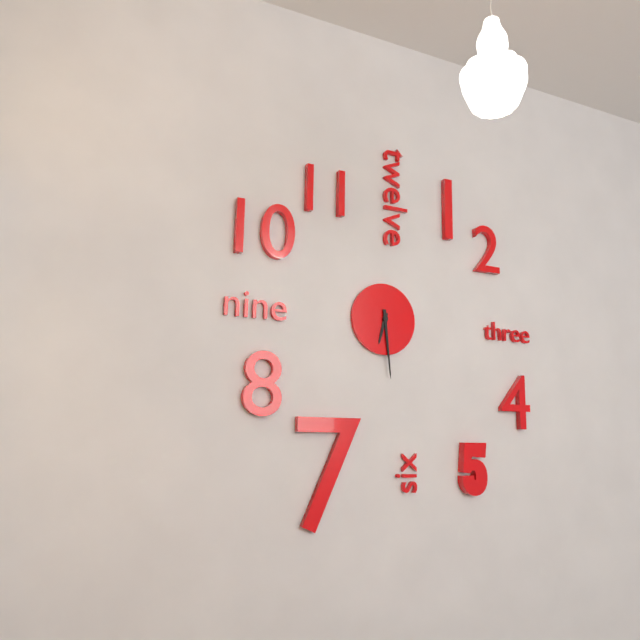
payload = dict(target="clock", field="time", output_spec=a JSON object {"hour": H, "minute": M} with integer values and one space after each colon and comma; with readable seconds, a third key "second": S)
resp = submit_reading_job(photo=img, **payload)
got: {"hour": 6, "minute": 29}
